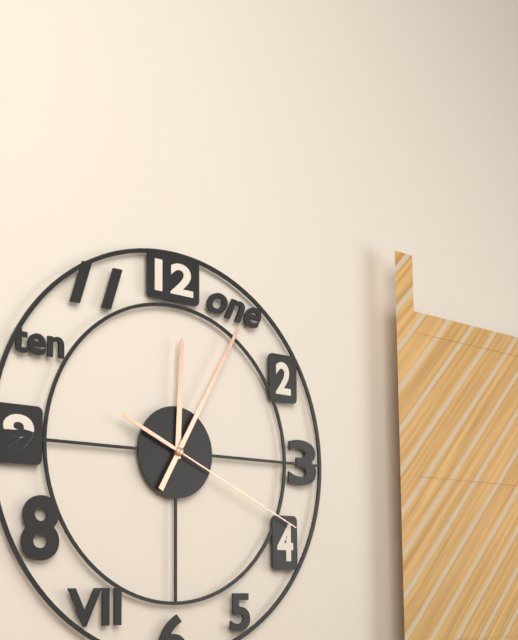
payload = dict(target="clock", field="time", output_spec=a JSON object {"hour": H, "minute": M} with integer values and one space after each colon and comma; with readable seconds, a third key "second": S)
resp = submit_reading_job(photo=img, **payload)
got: {"hour": 12, "minute": 5, "second": 19}
